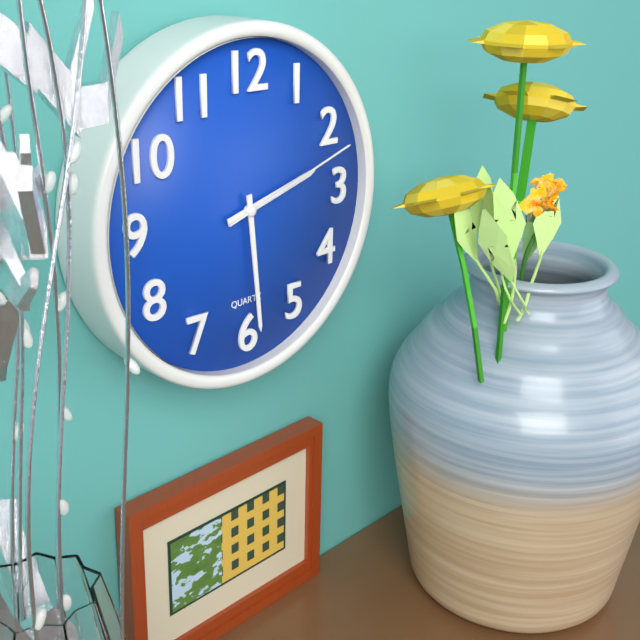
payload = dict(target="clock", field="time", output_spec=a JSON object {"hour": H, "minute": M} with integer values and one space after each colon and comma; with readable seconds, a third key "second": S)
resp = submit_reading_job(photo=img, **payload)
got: {"hour": 2, "minute": 29, "second": 12}
